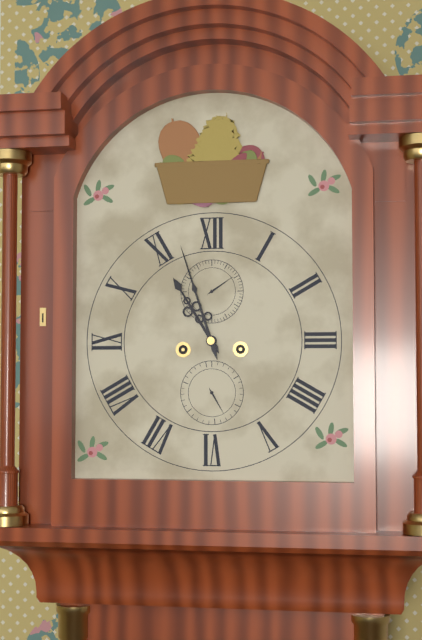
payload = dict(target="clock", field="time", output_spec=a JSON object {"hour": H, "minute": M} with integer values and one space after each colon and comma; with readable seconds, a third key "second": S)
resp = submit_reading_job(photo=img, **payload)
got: {"hour": 10, "minute": 57}
